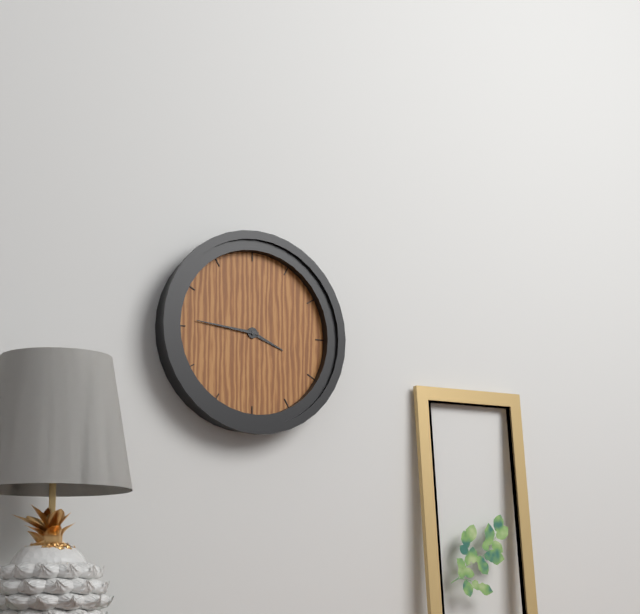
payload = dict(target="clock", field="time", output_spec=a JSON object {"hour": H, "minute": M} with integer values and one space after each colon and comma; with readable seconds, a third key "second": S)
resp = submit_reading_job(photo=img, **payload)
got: {"hour": 3, "minute": 46}
